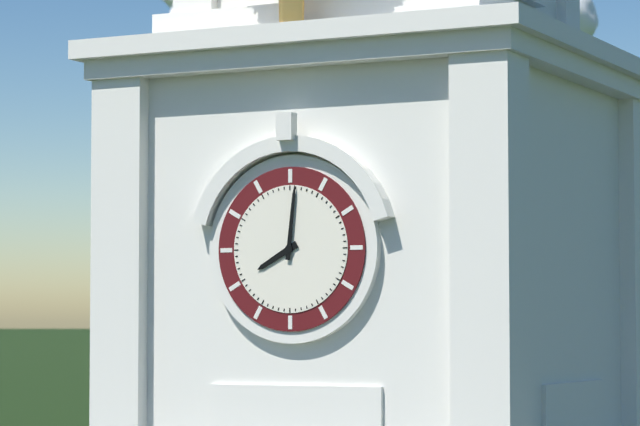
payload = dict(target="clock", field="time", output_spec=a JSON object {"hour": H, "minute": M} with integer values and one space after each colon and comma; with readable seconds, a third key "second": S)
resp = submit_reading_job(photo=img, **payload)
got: {"hour": 8, "minute": 1}
